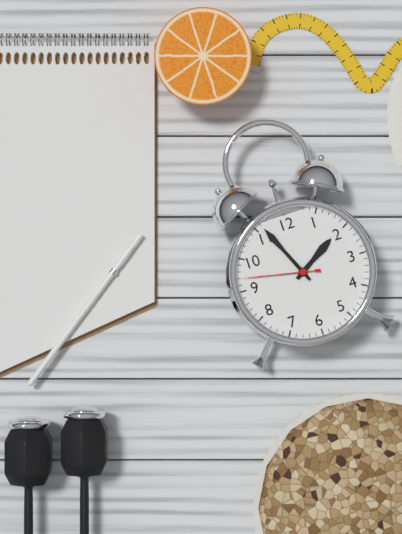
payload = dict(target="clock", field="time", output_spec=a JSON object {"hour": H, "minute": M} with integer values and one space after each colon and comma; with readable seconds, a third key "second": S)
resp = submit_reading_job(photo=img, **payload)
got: {"hour": 1, "minute": 56, "second": 47}
